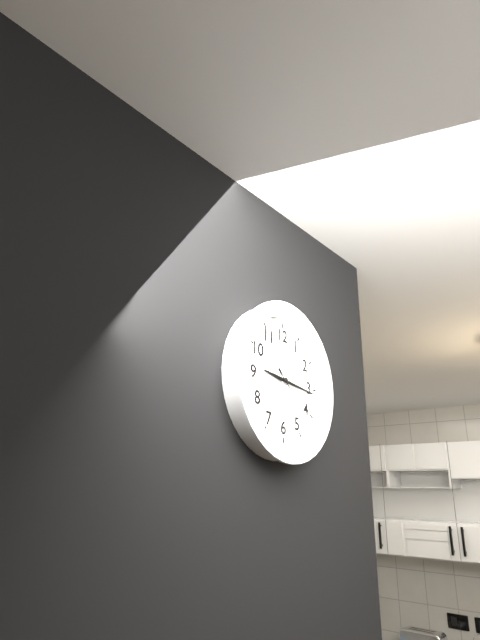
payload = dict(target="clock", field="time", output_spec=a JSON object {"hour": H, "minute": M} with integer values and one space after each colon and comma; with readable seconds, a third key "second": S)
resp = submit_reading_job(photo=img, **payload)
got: {"hour": 9, "minute": 16, "second": 22}
